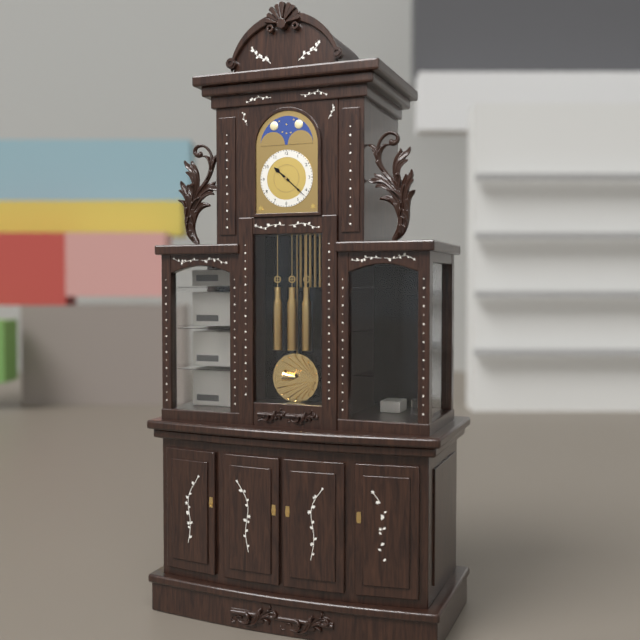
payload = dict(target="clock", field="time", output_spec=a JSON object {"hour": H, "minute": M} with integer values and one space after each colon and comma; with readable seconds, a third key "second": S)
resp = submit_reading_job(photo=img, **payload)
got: {"hour": 10, "minute": 22}
